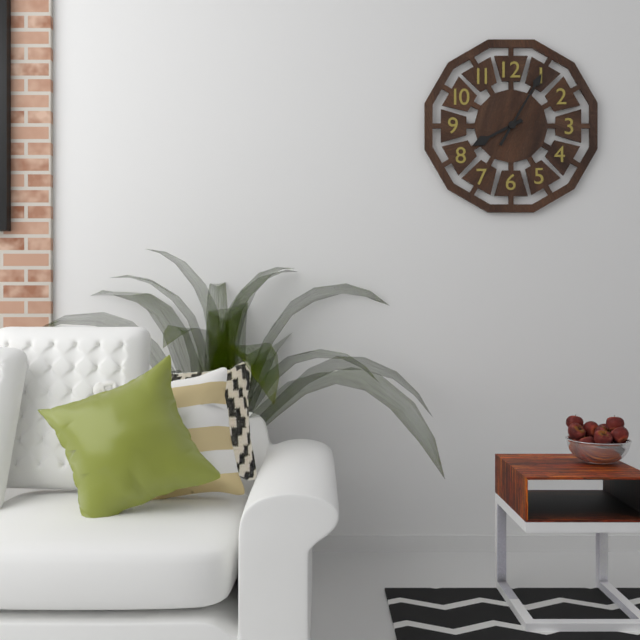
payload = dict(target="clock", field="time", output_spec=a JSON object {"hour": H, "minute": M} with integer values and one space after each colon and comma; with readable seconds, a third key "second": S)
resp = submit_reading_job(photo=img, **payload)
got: {"hour": 8, "minute": 5}
